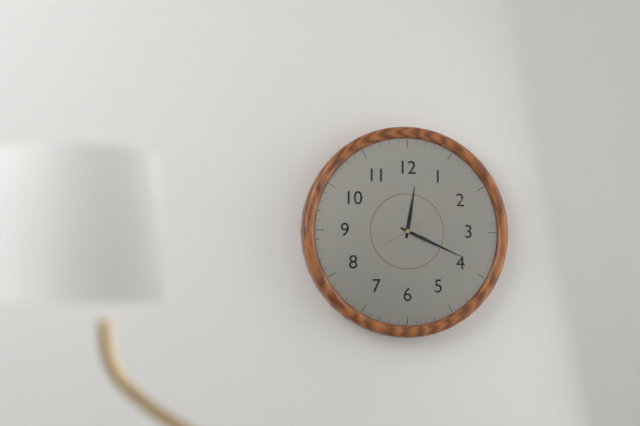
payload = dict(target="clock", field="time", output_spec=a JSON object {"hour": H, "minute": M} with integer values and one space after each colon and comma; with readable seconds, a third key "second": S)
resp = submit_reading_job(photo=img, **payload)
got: {"hour": 12, "minute": 19, "second": 10}
